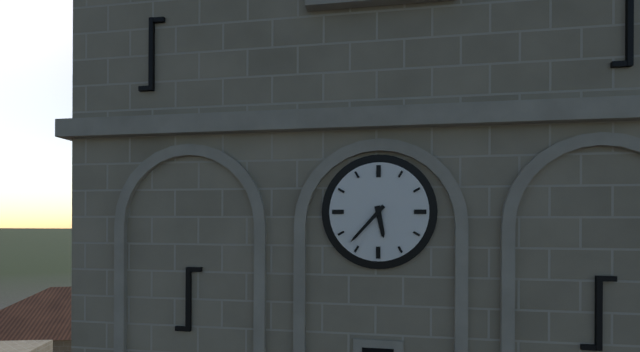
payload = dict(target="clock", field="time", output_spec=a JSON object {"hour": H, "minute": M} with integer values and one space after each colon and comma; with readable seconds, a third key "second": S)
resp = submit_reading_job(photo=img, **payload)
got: {"hour": 5, "minute": 37}
